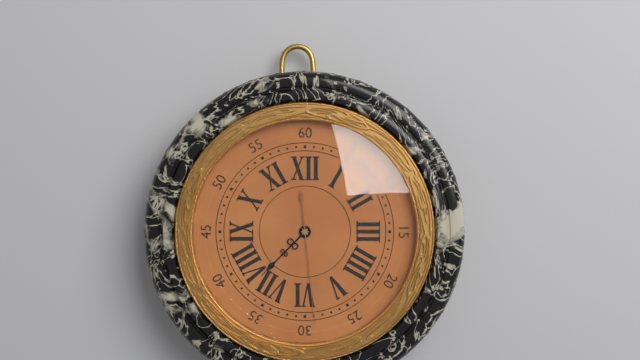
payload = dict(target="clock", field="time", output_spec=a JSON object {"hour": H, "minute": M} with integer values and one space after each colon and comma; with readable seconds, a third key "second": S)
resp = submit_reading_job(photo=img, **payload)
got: {"hour": 7, "minute": 29}
